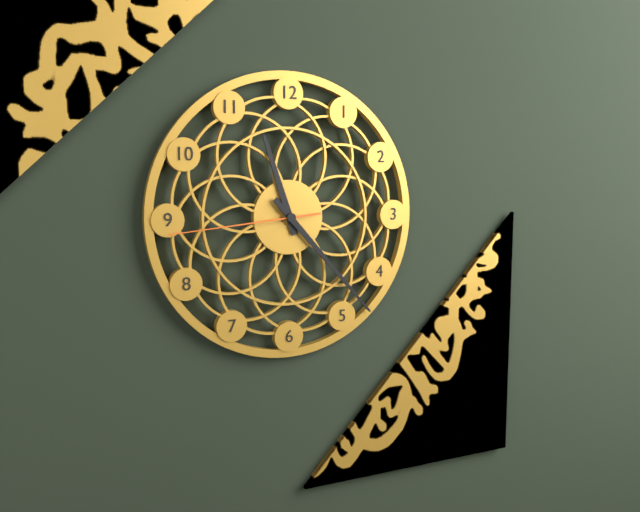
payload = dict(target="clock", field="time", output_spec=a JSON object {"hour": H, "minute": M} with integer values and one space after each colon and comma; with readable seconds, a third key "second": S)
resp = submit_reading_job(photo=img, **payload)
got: {"hour": 11, "minute": 23, "second": 44}
